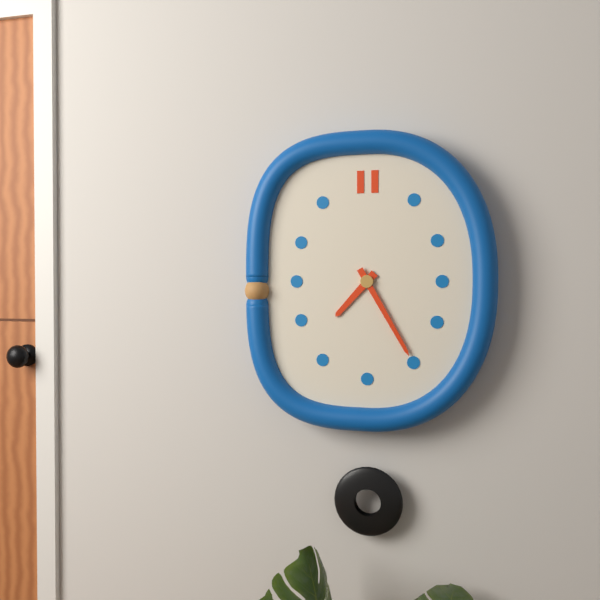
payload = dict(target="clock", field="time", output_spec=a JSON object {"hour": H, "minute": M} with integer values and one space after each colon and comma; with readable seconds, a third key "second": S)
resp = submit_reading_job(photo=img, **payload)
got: {"hour": 7, "minute": 25}
